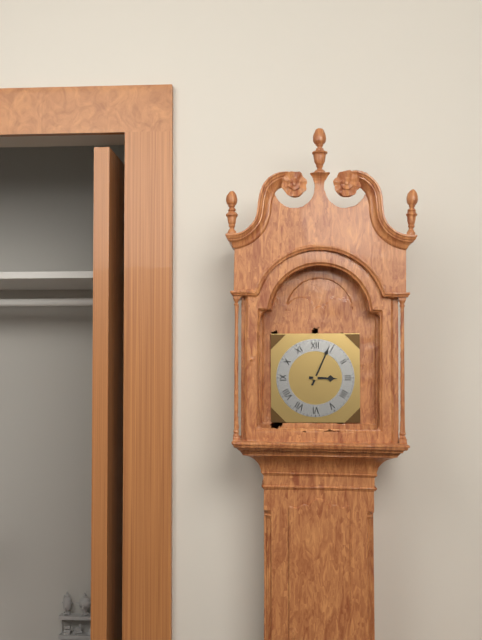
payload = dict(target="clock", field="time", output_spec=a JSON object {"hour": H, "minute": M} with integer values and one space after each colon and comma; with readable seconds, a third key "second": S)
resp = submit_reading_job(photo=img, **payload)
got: {"hour": 3, "minute": 4}
